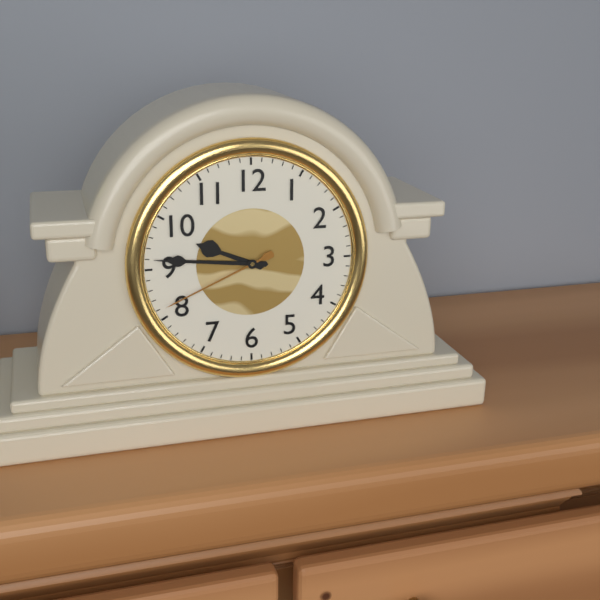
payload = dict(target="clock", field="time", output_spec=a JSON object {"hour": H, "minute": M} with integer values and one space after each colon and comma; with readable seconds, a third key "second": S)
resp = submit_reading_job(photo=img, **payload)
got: {"hour": 9, "minute": 46, "second": 41}
